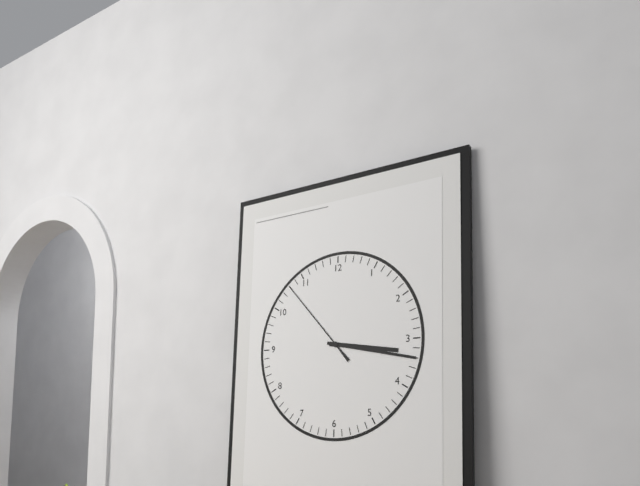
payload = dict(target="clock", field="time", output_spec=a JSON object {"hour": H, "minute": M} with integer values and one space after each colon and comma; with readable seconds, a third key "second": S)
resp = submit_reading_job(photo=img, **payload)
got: {"hour": 3, "minute": 17, "second": 53}
